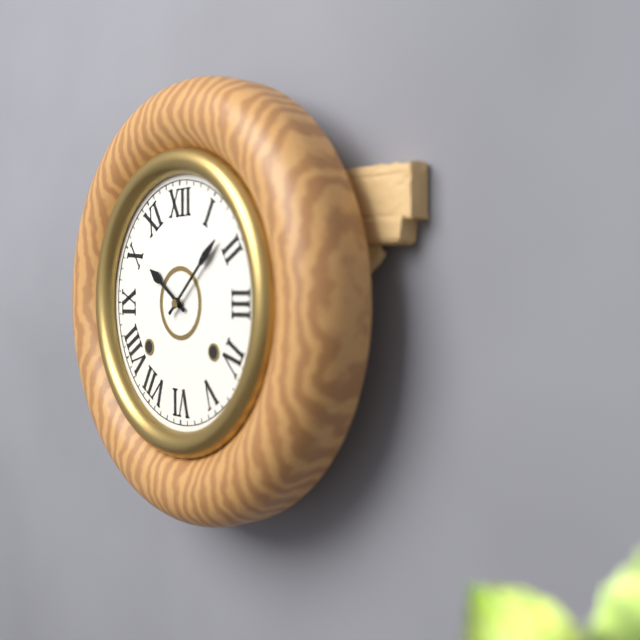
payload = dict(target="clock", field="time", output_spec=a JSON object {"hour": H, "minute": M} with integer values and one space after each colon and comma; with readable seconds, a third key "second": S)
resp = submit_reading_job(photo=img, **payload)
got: {"hour": 10, "minute": 8}
